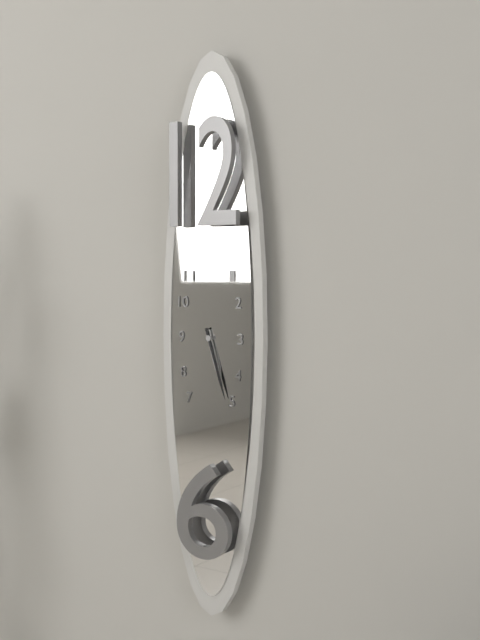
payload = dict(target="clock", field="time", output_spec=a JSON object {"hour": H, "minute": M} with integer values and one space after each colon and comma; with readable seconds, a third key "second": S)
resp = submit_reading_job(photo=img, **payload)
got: {"hour": 5, "minute": 27}
